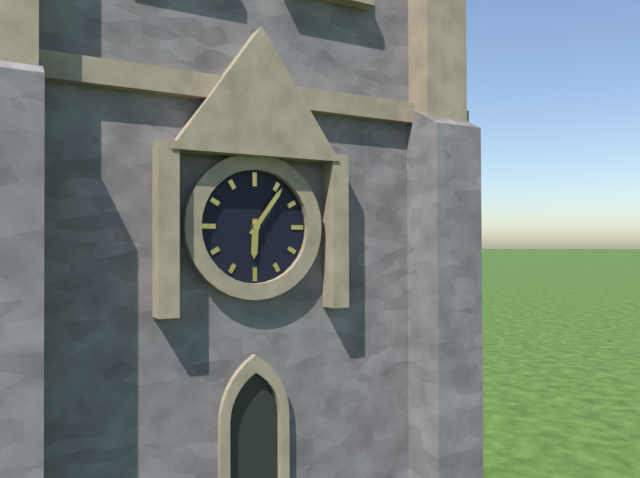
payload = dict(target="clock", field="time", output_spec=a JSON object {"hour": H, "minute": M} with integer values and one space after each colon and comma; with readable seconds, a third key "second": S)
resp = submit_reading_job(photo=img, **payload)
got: {"hour": 6, "minute": 6}
